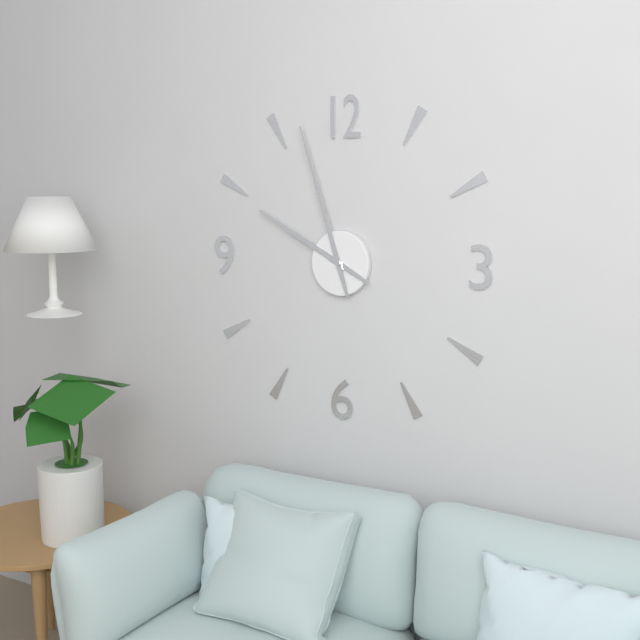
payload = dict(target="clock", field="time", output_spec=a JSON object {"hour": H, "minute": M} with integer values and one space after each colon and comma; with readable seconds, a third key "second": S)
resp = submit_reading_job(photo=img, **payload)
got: {"hour": 9, "minute": 57}
